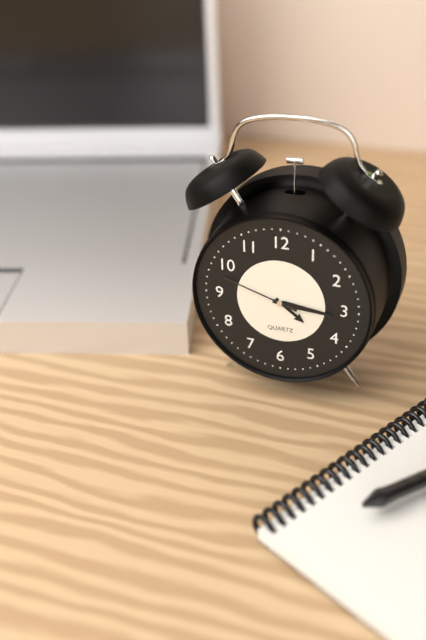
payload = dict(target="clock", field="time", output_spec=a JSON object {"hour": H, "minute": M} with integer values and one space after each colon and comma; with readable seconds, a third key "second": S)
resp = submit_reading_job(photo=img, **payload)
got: {"hour": 4, "minute": 16, "second": 48}
